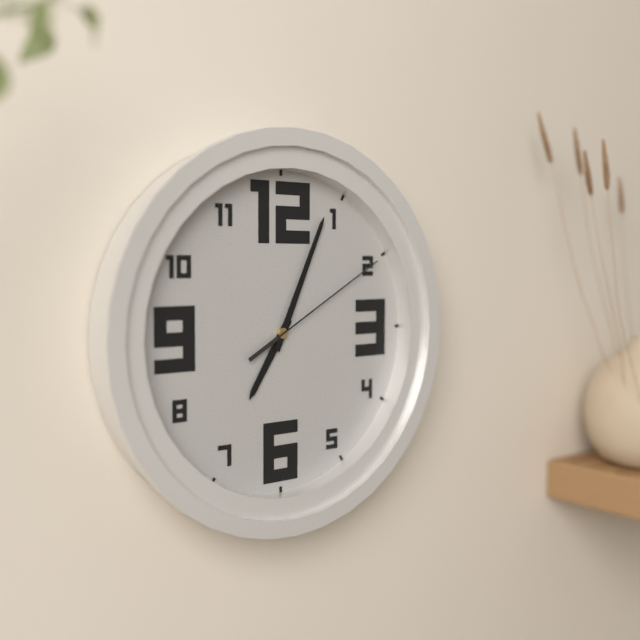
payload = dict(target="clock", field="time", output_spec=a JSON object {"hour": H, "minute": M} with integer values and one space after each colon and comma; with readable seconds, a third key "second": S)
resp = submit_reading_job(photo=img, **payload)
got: {"hour": 7, "minute": 4, "second": 10}
